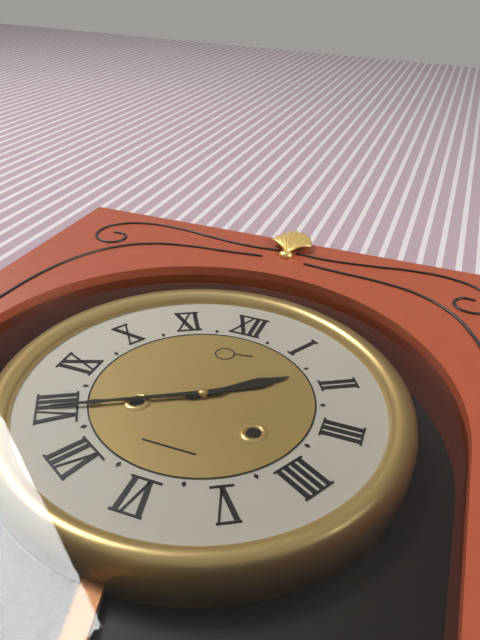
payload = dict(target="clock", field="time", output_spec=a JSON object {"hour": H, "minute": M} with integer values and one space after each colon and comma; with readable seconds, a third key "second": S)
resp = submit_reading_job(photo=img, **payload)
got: {"hour": 1, "minute": 40}
